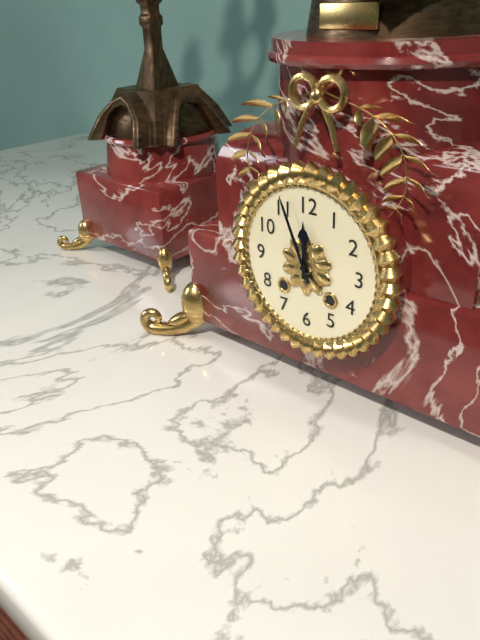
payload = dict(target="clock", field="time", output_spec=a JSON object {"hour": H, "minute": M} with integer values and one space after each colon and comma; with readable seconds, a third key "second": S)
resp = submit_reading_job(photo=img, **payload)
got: {"hour": 11, "minute": 56}
